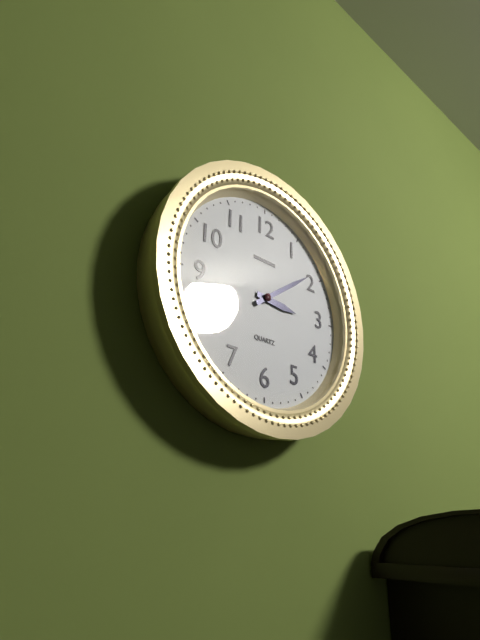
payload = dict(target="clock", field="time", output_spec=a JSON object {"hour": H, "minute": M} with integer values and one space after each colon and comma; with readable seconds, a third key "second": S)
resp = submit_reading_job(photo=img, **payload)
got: {"hour": 3, "minute": 9}
